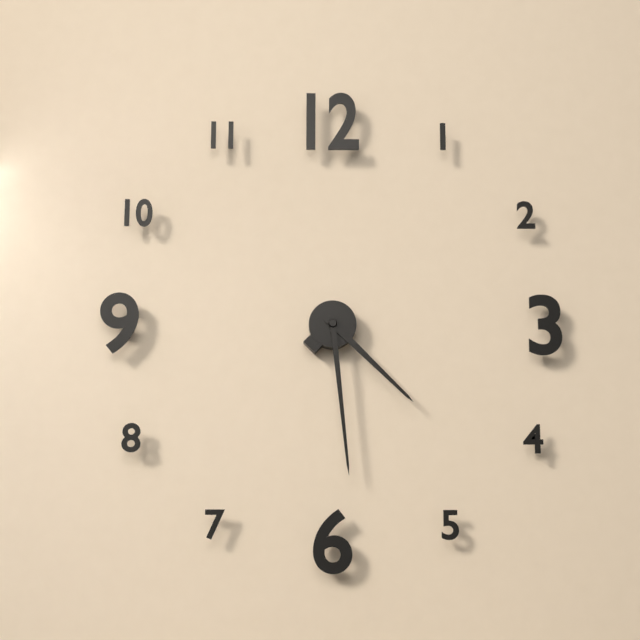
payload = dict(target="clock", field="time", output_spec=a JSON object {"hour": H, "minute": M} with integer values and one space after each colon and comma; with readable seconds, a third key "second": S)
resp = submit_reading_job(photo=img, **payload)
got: {"hour": 4, "minute": 29}
